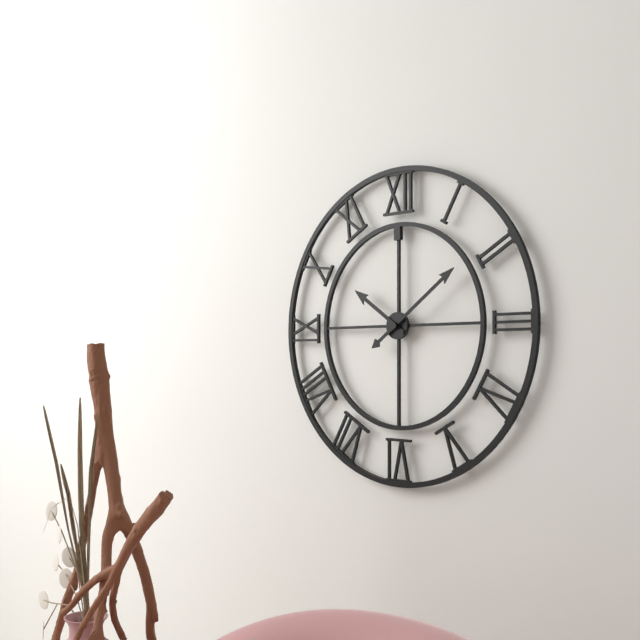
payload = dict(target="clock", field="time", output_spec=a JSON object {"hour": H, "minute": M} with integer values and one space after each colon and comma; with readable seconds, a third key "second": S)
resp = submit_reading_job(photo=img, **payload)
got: {"hour": 10, "minute": 9}
